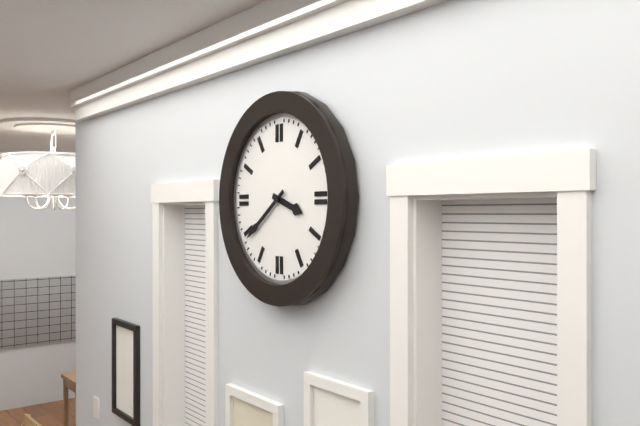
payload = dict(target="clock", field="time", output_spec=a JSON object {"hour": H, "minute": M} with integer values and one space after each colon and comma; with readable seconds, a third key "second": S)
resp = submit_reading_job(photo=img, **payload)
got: {"hour": 3, "minute": 39}
